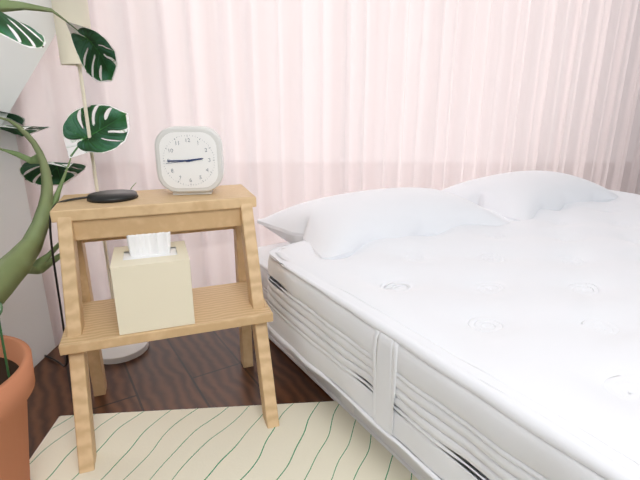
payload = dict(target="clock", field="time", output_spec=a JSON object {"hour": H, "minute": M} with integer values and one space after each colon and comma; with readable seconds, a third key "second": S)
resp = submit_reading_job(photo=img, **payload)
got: {"hour": 2, "minute": 45}
